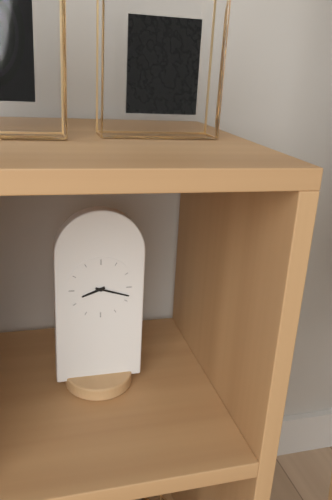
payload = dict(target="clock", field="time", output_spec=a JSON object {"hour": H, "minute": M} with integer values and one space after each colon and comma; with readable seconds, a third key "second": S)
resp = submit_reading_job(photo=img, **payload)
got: {"hour": 8, "minute": 18}
